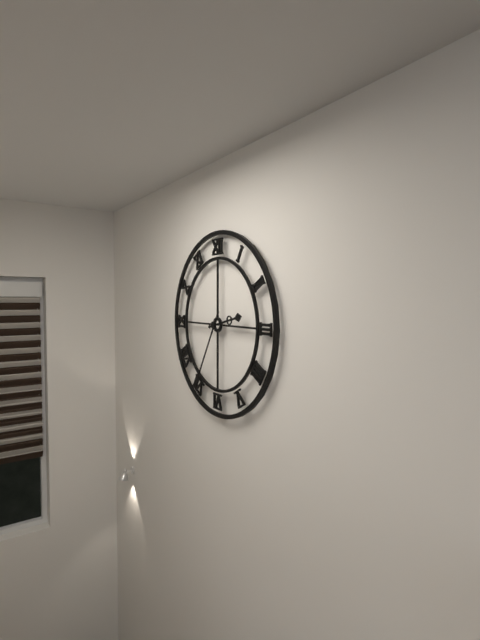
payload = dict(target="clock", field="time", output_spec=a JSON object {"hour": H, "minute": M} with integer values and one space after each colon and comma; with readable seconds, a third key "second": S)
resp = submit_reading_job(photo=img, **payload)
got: {"hour": 2, "minute": 35}
